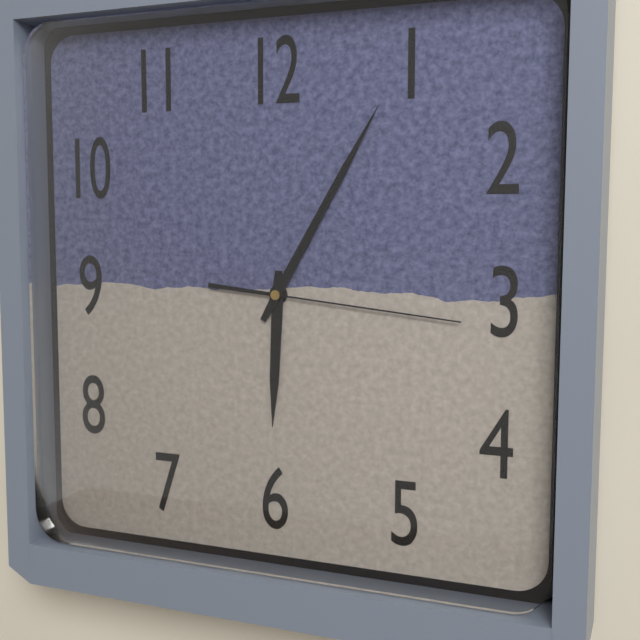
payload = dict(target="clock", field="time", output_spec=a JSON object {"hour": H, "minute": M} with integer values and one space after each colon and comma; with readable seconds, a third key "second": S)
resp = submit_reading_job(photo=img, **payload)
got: {"hour": 6, "minute": 5, "second": 16}
